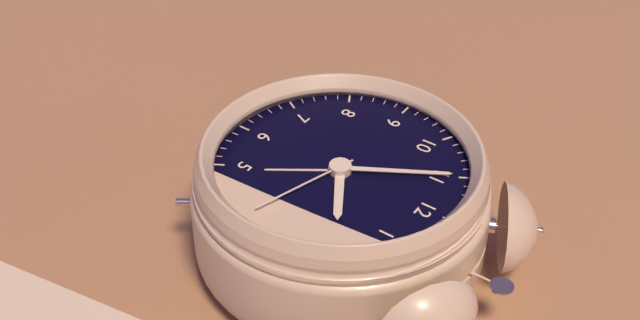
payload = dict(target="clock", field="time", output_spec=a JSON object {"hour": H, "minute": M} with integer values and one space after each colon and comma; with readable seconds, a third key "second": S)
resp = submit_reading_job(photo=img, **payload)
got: {"hour": 1, "minute": 55, "second": 18}
